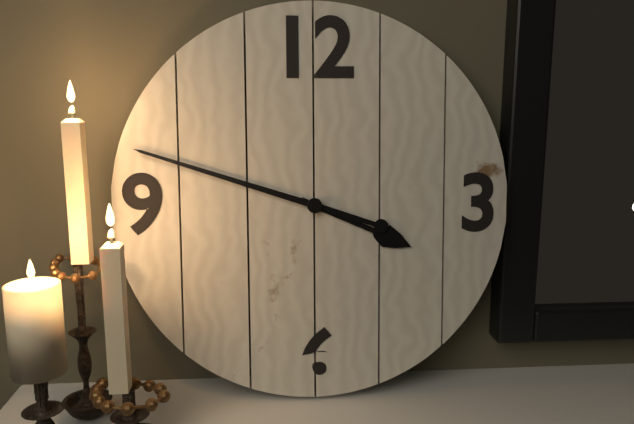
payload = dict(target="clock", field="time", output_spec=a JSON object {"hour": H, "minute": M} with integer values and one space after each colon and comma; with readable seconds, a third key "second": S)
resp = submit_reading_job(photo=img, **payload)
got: {"hour": 3, "minute": 48}
